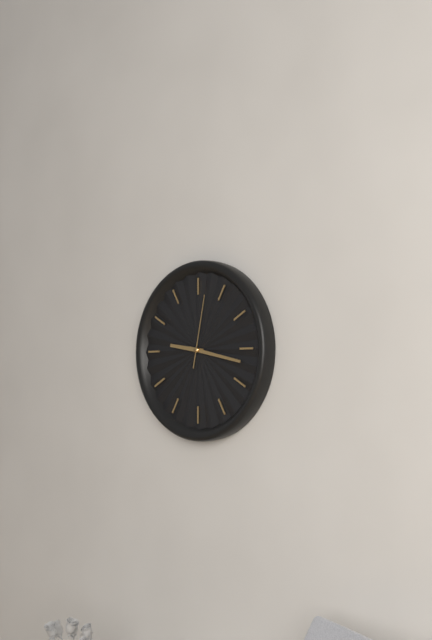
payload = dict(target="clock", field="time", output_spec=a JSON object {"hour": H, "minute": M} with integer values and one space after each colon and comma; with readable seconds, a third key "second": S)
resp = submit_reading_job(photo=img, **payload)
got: {"hour": 9, "minute": 17, "second": 2}
